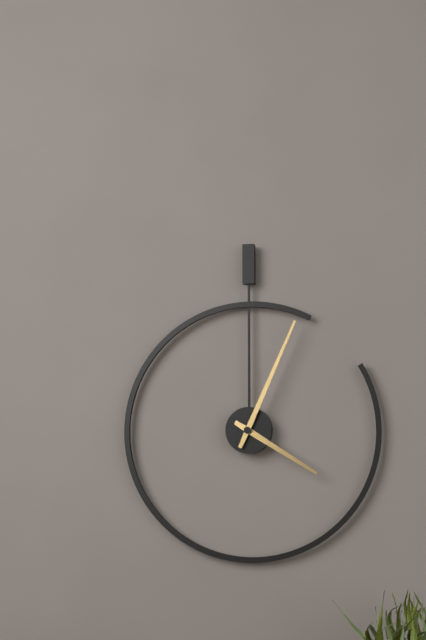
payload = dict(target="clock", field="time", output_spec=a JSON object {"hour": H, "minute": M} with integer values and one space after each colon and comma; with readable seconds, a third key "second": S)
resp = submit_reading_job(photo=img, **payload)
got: {"hour": 4, "minute": 4}
